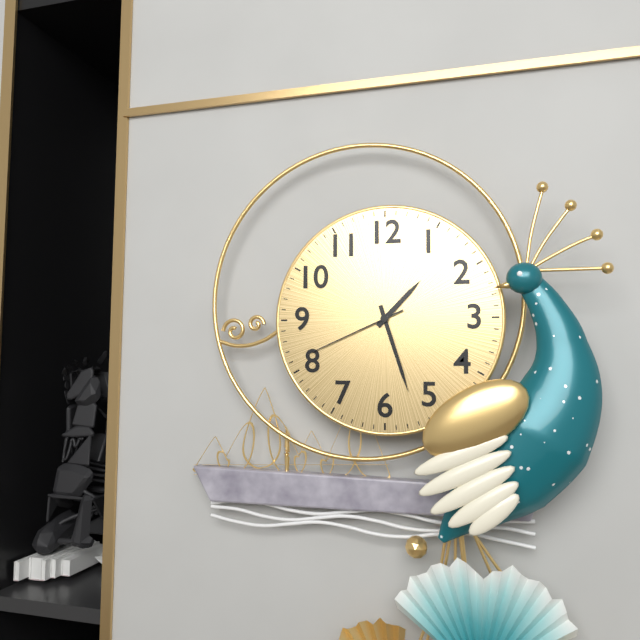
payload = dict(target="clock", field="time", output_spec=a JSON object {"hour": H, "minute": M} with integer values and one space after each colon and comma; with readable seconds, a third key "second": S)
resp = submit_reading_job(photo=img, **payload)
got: {"hour": 1, "minute": 27, "second": 41}
